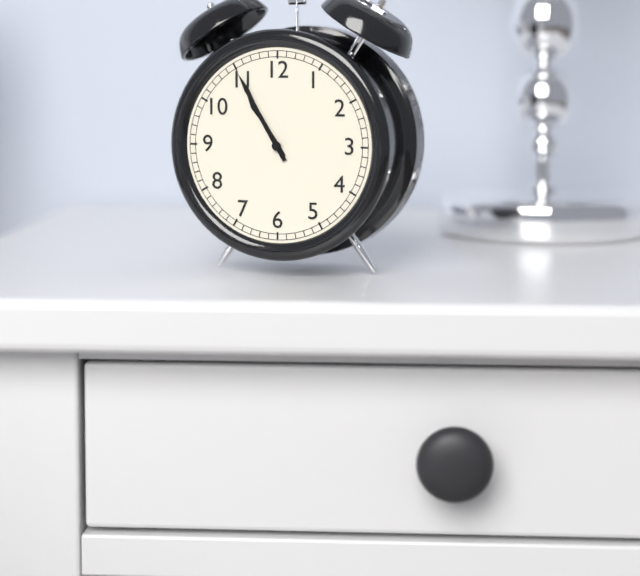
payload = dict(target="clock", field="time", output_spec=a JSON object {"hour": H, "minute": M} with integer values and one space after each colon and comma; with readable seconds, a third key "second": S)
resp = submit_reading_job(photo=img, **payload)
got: {"hour": 10, "minute": 55}
